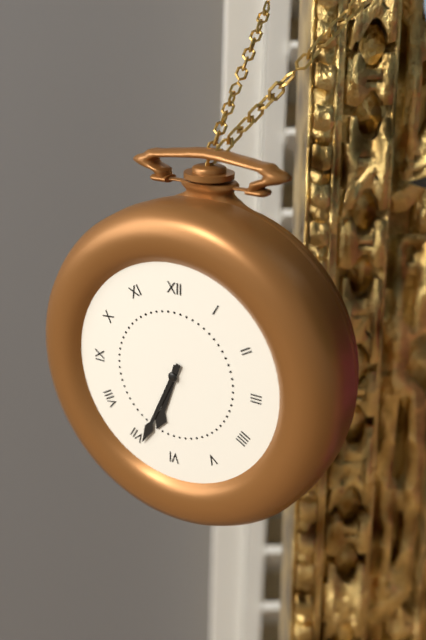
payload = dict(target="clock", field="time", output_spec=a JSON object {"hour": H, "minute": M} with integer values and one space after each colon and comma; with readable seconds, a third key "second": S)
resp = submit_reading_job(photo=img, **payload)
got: {"hour": 6, "minute": 34}
